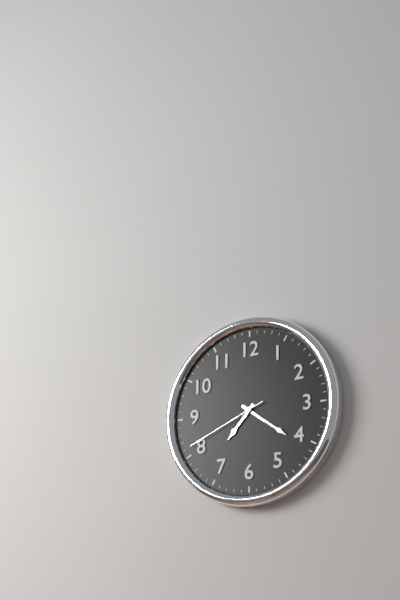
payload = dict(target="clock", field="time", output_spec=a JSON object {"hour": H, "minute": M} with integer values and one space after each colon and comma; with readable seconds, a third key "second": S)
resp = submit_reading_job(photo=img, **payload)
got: {"hour": 7, "minute": 21, "second": 41}
